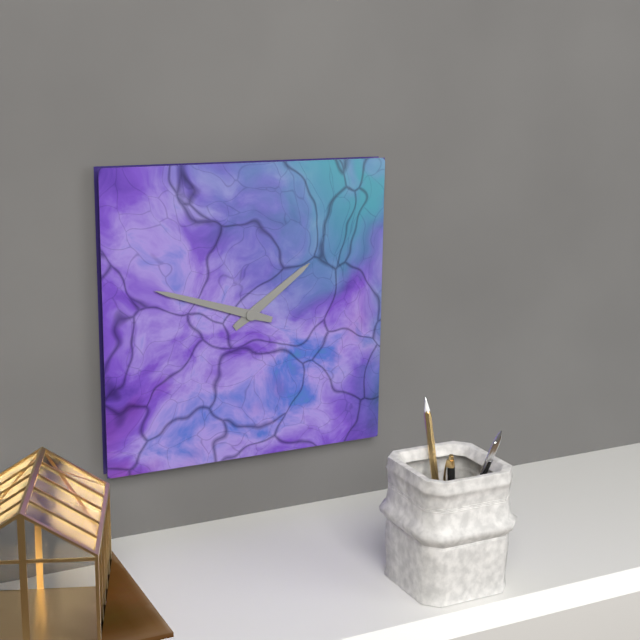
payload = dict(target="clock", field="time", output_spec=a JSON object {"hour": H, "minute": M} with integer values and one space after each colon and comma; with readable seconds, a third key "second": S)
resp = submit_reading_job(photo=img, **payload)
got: {"hour": 1, "minute": 48}
